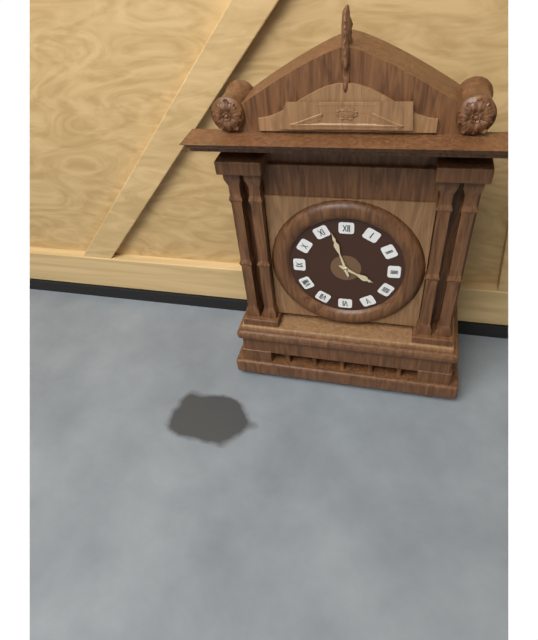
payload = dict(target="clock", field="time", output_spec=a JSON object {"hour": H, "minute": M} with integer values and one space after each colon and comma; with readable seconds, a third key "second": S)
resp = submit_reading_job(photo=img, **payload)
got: {"hour": 3, "minute": 57}
